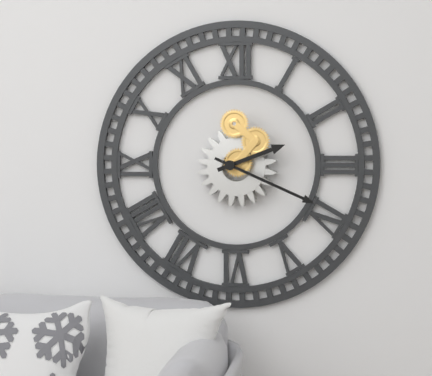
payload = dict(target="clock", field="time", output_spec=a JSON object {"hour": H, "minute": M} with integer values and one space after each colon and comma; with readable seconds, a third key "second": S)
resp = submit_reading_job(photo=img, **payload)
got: {"hour": 2, "minute": 19}
